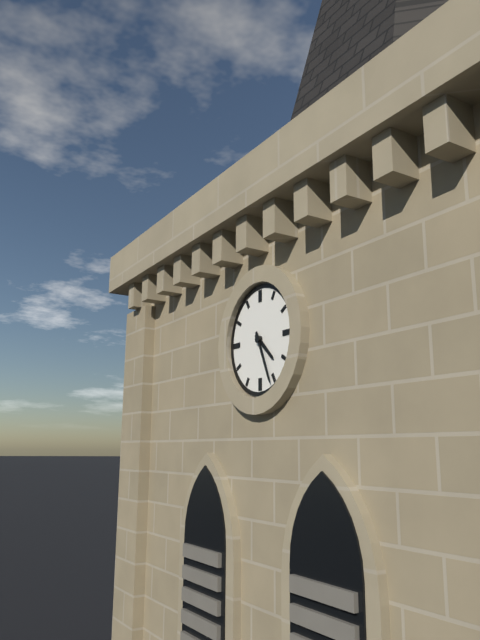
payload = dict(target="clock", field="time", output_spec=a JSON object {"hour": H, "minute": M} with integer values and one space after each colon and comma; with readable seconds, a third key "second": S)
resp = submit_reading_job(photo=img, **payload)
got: {"hour": 4, "minute": 26}
